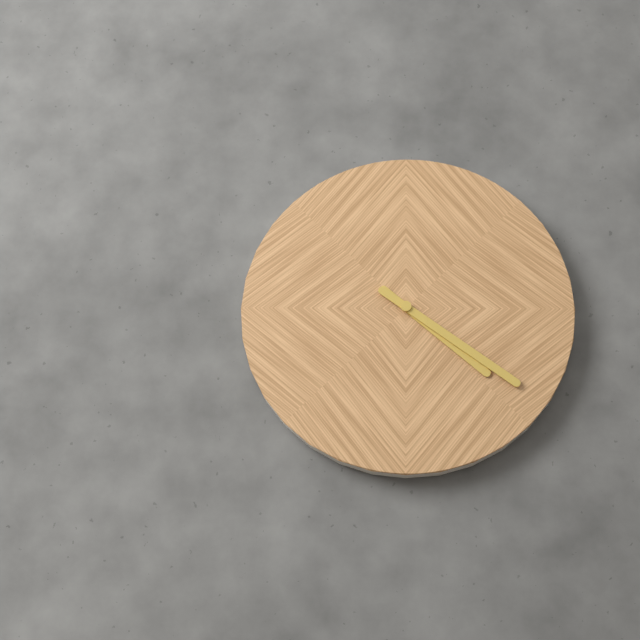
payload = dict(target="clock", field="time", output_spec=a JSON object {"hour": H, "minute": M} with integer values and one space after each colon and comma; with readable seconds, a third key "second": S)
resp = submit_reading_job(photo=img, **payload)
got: {"hour": 4, "minute": 21}
